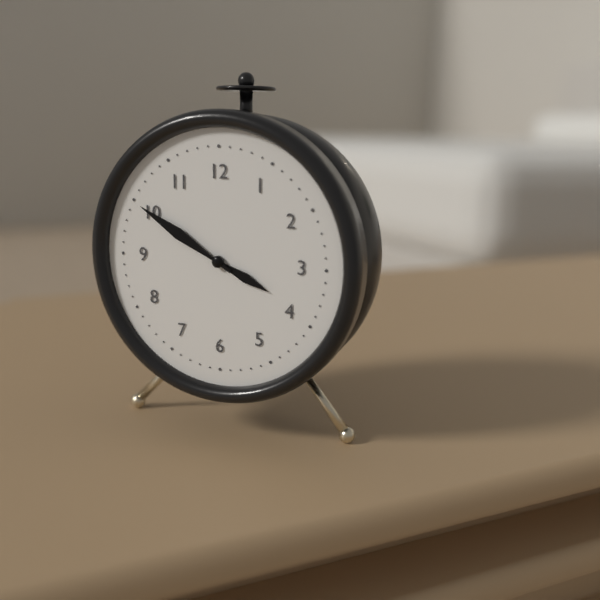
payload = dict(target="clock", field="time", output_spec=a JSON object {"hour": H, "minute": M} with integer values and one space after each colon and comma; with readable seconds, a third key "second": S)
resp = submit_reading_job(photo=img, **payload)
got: {"hour": 3, "minute": 50}
